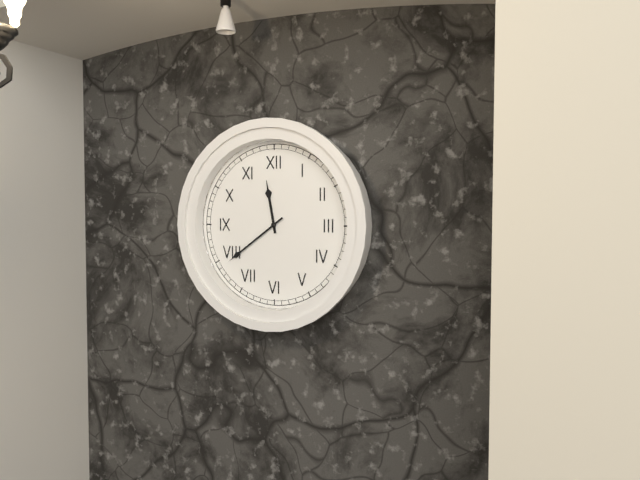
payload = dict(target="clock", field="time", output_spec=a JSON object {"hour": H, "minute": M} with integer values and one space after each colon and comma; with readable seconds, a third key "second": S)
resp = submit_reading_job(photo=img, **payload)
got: {"hour": 11, "minute": 39}
